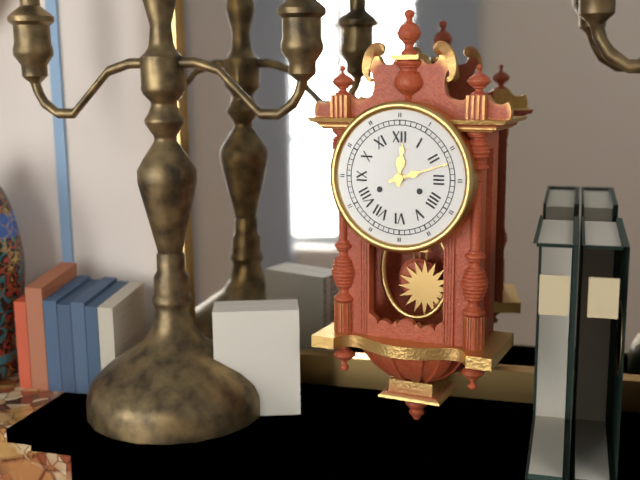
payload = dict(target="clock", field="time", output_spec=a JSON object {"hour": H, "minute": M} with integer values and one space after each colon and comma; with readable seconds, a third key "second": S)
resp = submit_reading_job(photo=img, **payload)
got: {"hour": 12, "minute": 12}
